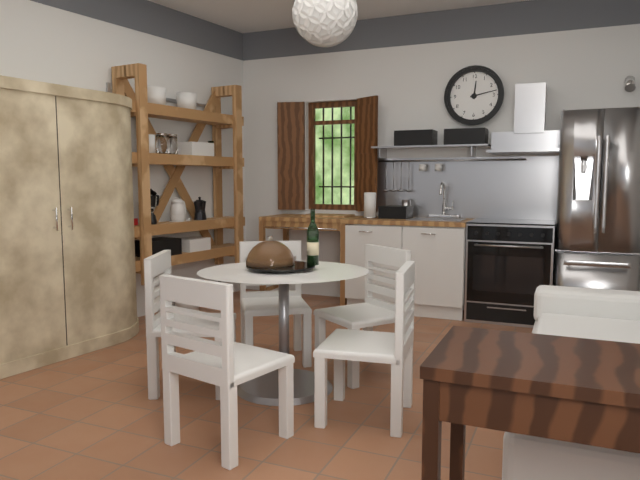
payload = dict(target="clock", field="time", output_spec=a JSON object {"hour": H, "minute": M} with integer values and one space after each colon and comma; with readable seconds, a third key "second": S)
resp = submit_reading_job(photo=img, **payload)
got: {"hour": 12, "minute": 13}
